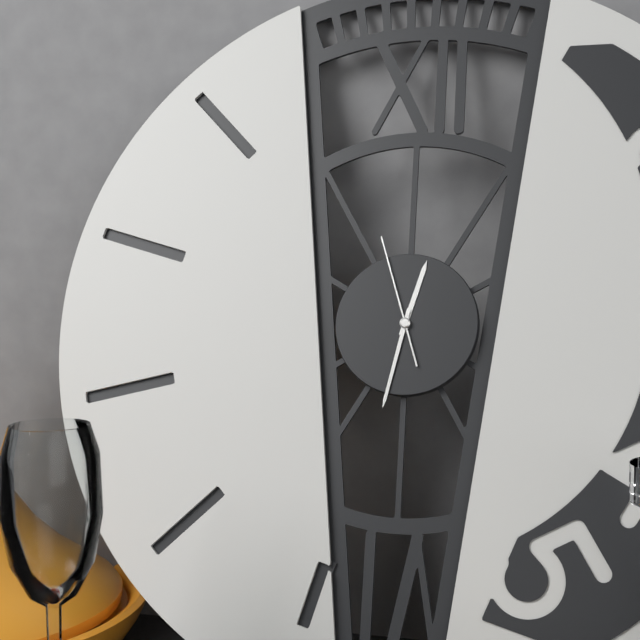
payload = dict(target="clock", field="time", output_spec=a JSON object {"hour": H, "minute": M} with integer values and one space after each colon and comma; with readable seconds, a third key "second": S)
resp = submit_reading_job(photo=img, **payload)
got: {"hour": 12, "minute": 32, "second": 57}
